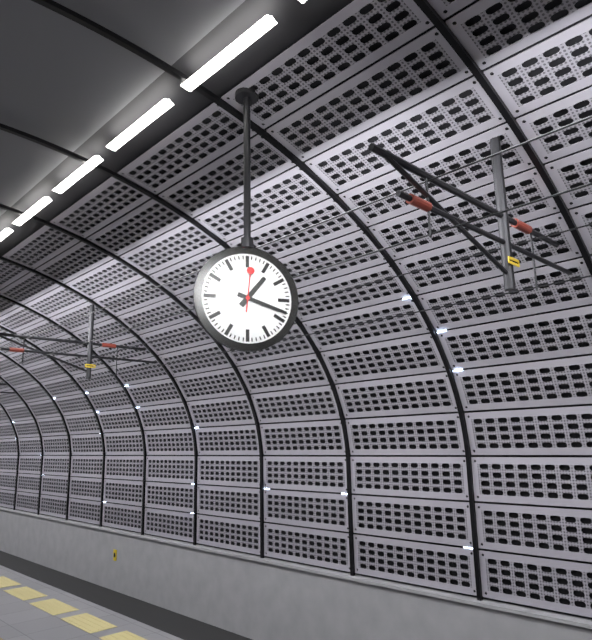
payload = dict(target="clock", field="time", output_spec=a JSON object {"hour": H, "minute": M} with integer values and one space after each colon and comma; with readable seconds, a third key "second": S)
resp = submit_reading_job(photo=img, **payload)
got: {"hour": 1, "minute": 18}
